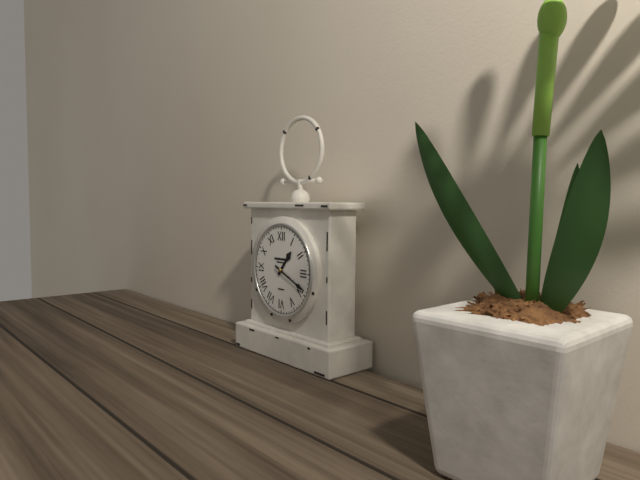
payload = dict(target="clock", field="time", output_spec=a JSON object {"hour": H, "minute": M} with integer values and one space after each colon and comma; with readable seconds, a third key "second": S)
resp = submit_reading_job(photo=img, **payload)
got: {"hour": 1, "minute": 19}
